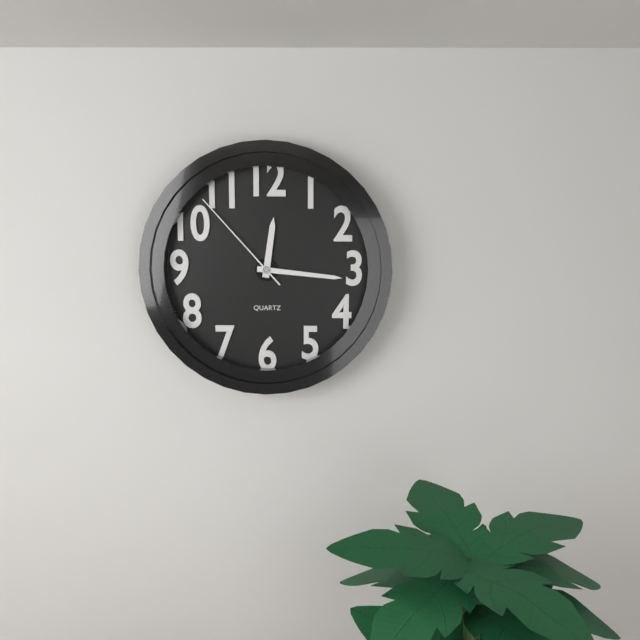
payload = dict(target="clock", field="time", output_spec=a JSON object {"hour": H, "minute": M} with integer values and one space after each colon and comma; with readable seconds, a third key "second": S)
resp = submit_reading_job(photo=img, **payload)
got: {"hour": 12, "minute": 16, "second": 53}
